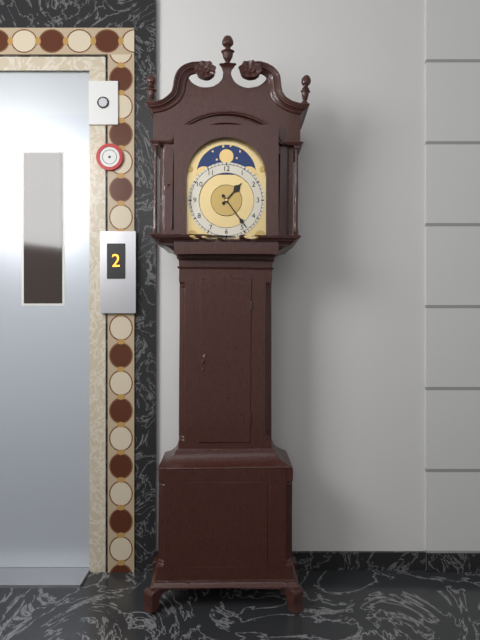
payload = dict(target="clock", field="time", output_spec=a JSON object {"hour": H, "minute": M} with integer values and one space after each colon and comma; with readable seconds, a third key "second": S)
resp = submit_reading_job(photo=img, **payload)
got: {"hour": 1, "minute": 24}
